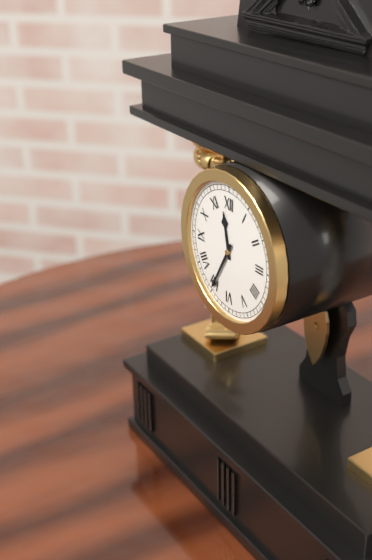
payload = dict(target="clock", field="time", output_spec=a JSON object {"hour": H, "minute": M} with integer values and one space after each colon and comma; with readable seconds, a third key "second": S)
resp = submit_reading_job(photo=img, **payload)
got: {"hour": 11, "minute": 35}
